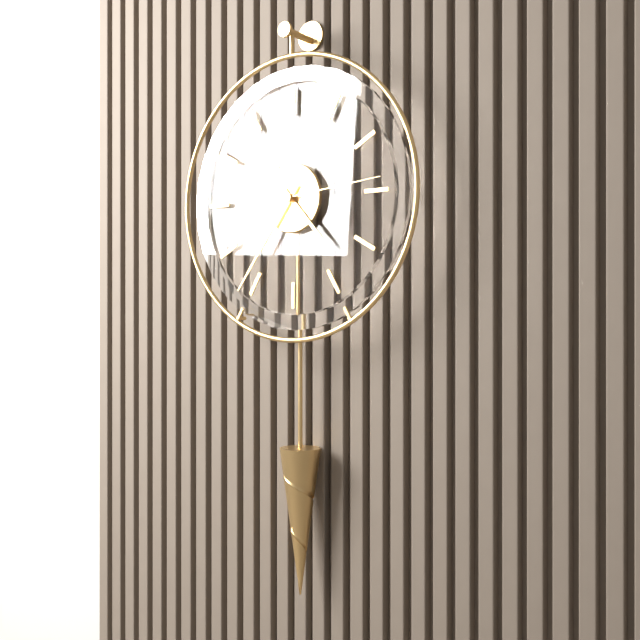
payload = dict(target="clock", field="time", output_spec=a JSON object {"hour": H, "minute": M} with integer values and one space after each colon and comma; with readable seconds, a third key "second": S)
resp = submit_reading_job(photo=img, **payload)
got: {"hour": 4, "minute": 36, "second": 14}
